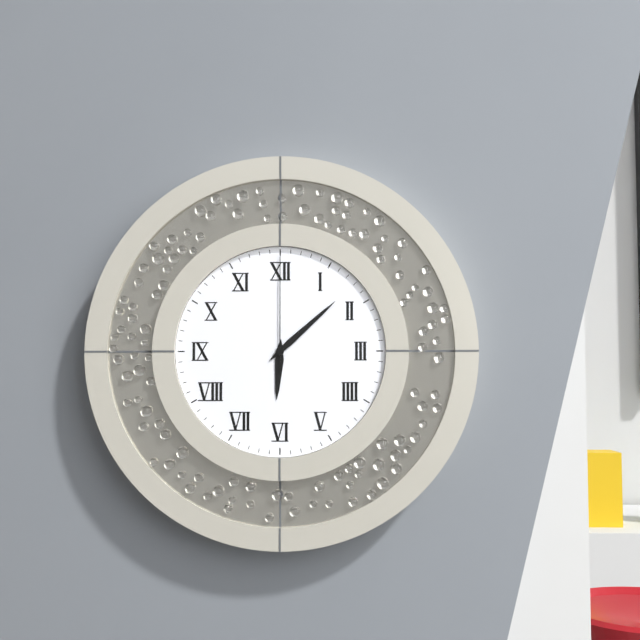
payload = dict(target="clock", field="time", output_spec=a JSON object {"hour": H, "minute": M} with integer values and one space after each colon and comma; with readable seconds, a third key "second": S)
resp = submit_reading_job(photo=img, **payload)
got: {"hour": 6, "minute": 8, "second": 0}
